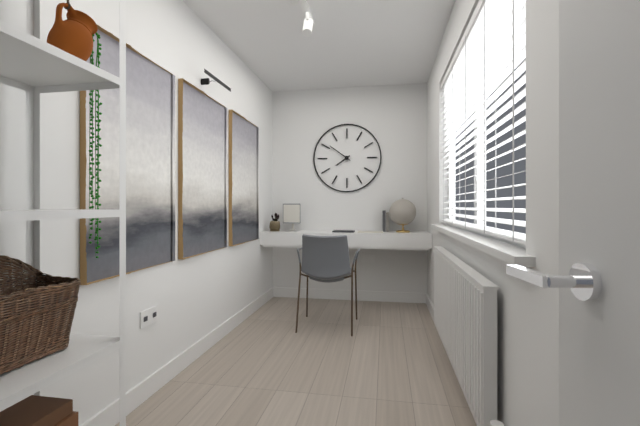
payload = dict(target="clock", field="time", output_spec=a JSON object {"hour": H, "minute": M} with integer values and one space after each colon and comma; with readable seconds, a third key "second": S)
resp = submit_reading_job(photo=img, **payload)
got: {"hour": 7, "minute": 51}
